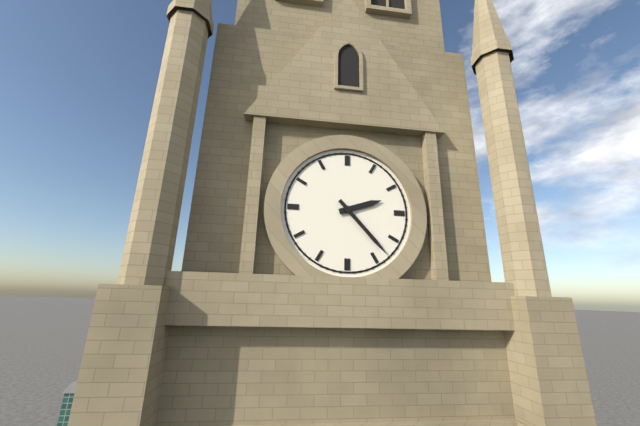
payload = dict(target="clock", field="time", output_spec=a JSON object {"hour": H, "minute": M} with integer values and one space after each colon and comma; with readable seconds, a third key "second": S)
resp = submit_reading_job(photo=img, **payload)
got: {"hour": 2, "minute": 23}
